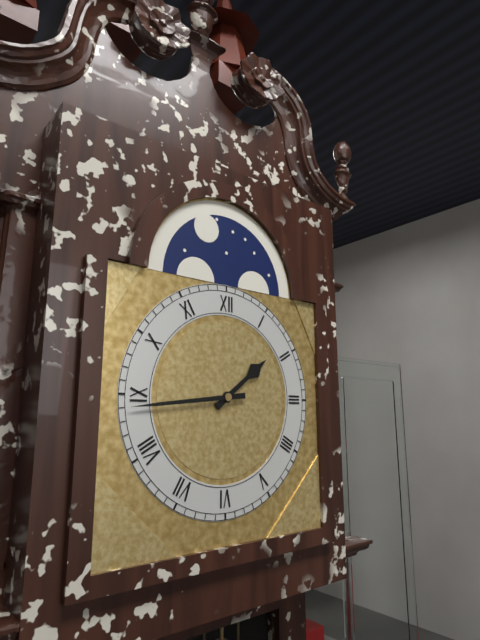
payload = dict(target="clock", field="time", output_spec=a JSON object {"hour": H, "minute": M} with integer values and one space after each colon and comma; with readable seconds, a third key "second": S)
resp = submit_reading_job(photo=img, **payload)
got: {"hour": 1, "minute": 44}
